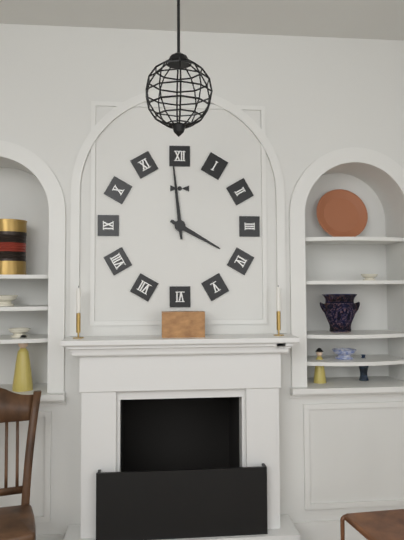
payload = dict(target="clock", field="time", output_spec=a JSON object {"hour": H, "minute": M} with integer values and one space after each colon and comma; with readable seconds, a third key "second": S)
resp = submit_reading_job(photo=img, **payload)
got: {"hour": 3, "minute": 59}
